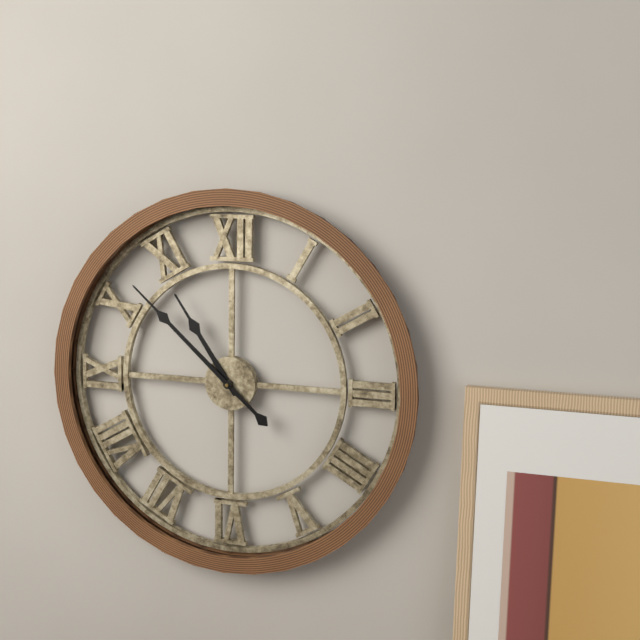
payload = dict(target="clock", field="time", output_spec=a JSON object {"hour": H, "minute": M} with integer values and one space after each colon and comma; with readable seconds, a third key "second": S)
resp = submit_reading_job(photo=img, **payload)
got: {"hour": 10, "minute": 52}
